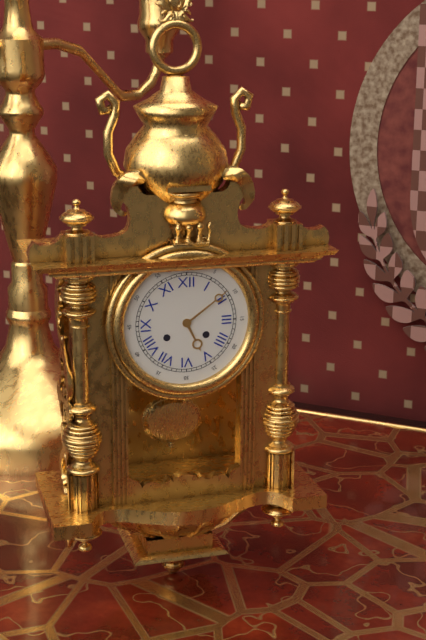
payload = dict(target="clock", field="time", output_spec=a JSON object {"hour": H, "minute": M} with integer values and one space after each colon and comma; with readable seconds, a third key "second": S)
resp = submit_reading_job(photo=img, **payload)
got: {"hour": 5, "minute": 9}
